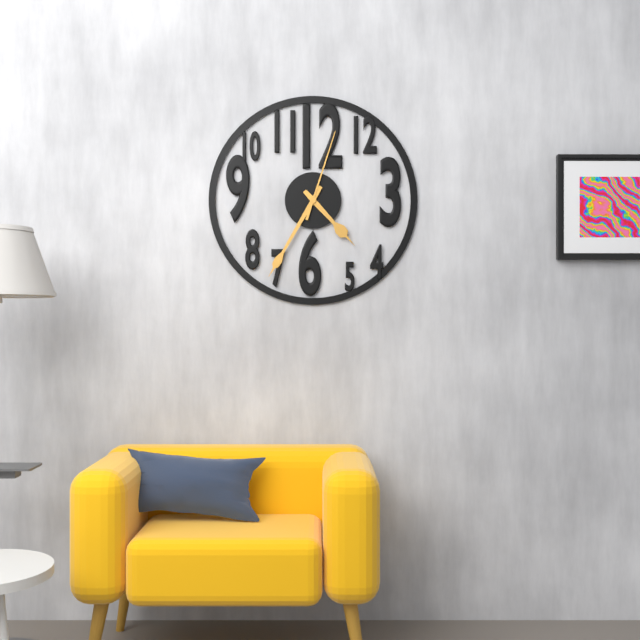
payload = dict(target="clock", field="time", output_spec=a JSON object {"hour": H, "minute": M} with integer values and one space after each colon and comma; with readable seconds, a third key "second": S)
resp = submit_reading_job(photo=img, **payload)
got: {"hour": 4, "minute": 35, "second": 3}
